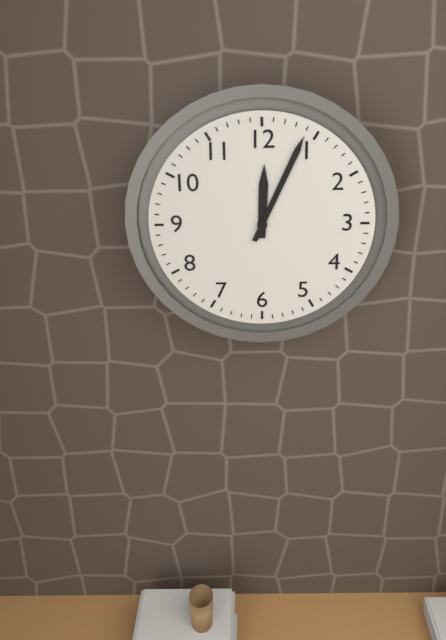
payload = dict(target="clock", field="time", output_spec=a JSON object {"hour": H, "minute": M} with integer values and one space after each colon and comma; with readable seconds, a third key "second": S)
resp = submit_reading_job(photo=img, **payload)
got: {"hour": 12, "minute": 4}
